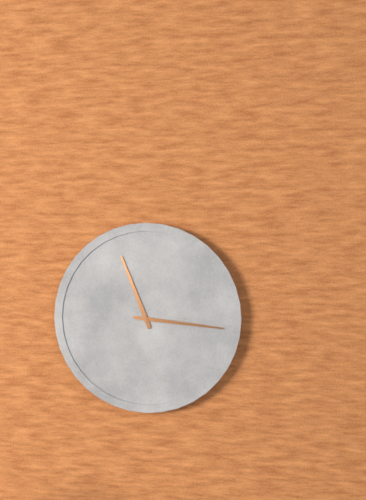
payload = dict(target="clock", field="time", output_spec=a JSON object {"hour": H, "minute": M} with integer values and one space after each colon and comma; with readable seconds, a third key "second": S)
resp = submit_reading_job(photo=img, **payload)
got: {"hour": 11, "minute": 16}
